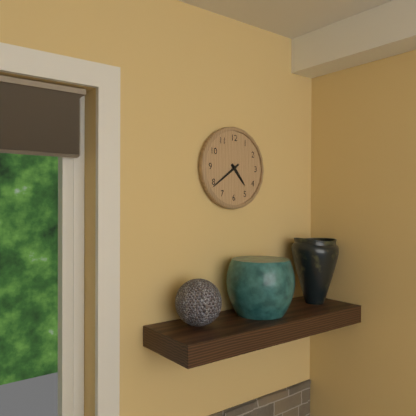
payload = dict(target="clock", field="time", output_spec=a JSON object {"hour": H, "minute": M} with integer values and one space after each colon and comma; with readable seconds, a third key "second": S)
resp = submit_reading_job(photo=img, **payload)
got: {"hour": 4, "minute": 39}
